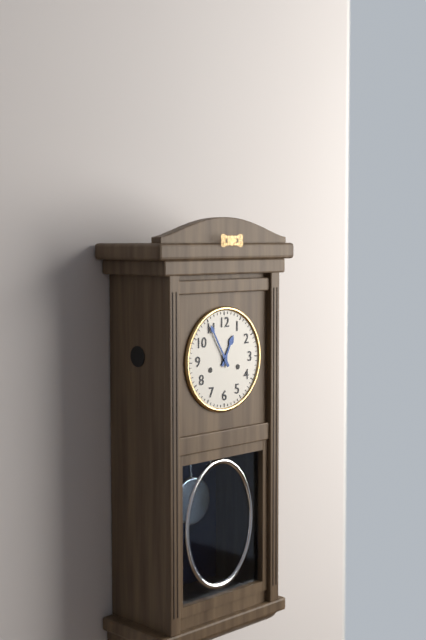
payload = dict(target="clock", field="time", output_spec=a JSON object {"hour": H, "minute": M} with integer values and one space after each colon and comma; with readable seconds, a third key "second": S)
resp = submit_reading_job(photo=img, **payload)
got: {"hour": 12, "minute": 55}
